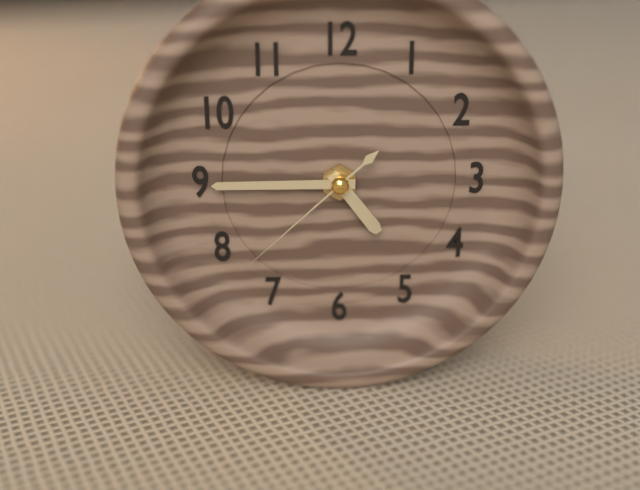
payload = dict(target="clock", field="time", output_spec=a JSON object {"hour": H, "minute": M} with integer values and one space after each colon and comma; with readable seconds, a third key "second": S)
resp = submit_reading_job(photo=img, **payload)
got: {"hour": 4, "minute": 45, "second": 38}
